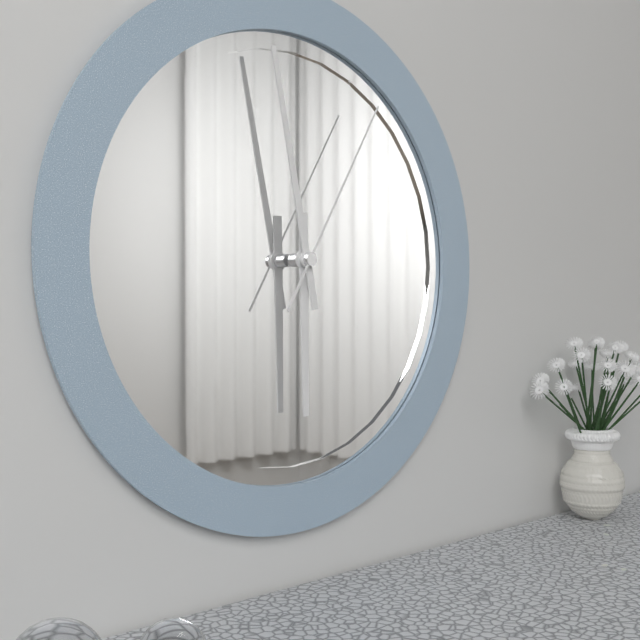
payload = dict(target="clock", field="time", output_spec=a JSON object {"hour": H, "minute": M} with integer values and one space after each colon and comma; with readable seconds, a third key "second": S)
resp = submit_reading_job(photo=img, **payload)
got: {"hour": 5, "minute": 58, "second": 5}
